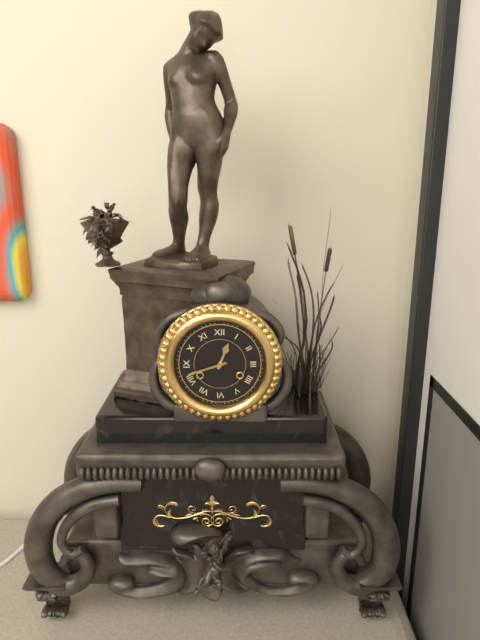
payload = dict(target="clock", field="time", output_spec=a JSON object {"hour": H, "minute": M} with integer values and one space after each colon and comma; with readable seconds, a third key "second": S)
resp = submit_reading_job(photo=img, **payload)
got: {"hour": 12, "minute": 42}
